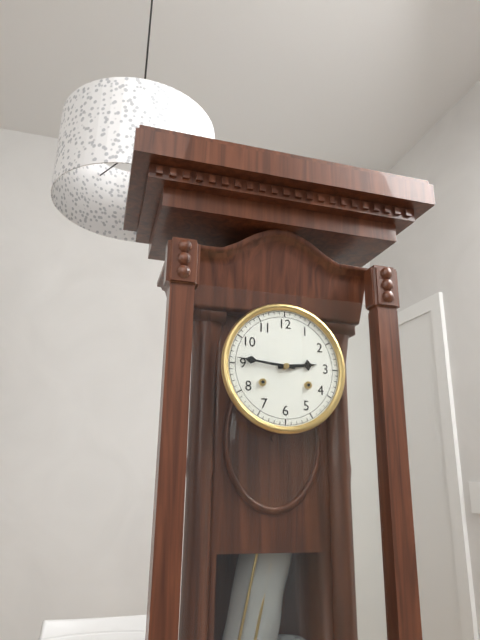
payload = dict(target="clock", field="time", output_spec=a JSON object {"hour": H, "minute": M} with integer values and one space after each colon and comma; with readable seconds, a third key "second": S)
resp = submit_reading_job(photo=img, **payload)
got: {"hour": 2, "minute": 46}
